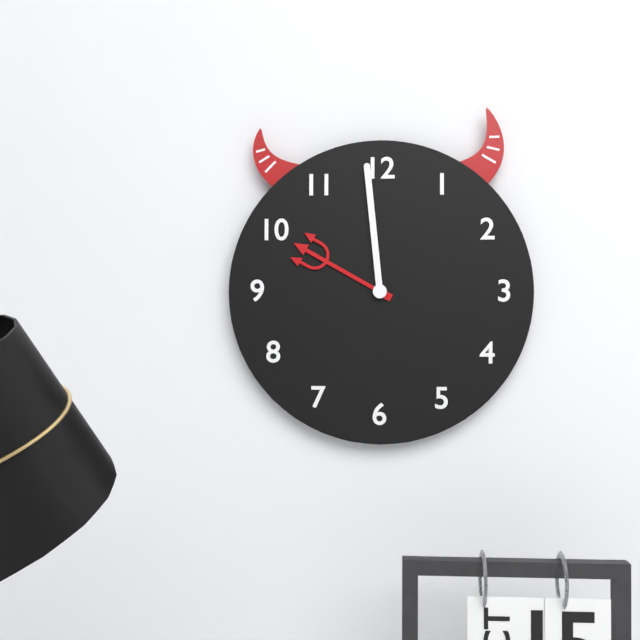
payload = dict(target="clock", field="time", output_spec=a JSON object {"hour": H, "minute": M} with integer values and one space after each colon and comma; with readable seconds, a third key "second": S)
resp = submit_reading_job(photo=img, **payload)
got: {"hour": 9, "minute": 59}
